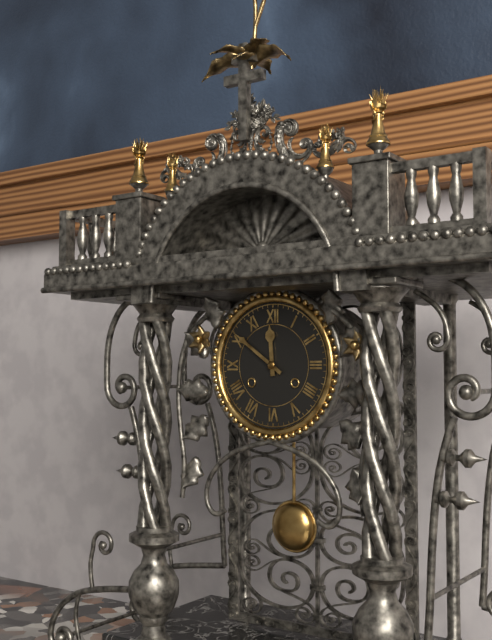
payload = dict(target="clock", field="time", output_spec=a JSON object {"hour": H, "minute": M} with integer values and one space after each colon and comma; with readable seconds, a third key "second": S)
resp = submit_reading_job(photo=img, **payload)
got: {"hour": 11, "minute": 51}
